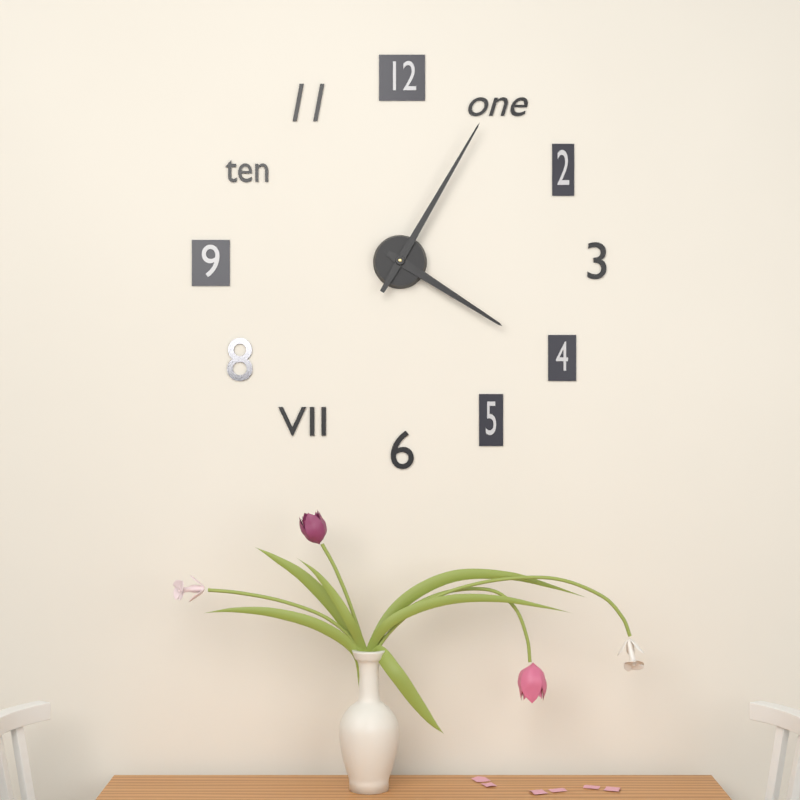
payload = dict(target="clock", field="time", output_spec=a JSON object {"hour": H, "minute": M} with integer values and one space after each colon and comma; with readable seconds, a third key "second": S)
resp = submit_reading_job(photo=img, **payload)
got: {"hour": 4, "minute": 5}
